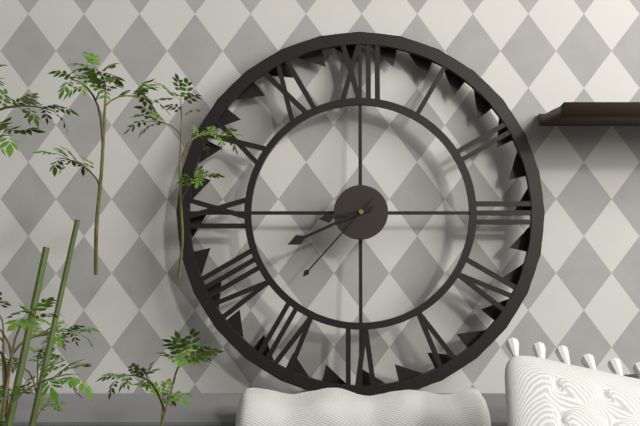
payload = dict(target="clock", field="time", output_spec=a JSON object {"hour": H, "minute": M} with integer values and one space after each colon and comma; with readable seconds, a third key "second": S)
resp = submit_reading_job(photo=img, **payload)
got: {"hour": 8, "minute": 41, "second": 37}
